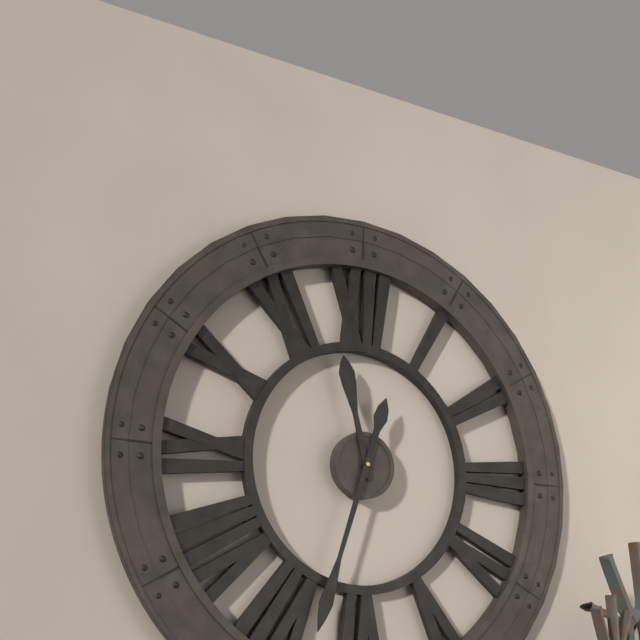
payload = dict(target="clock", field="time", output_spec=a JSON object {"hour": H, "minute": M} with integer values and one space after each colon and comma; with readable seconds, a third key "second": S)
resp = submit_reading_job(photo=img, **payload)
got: {"hour": 11, "minute": 33}
